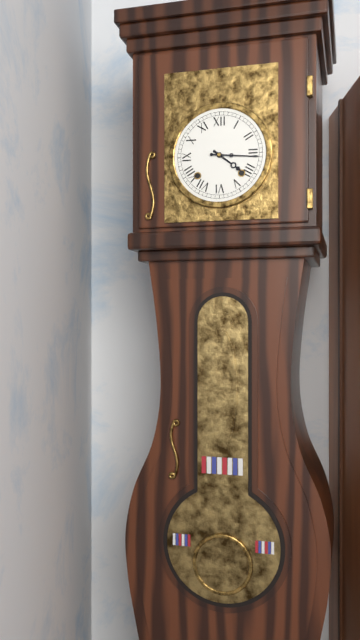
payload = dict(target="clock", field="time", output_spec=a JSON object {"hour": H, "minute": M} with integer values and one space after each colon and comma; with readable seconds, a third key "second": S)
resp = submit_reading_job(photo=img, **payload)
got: {"hour": 4, "minute": 16}
